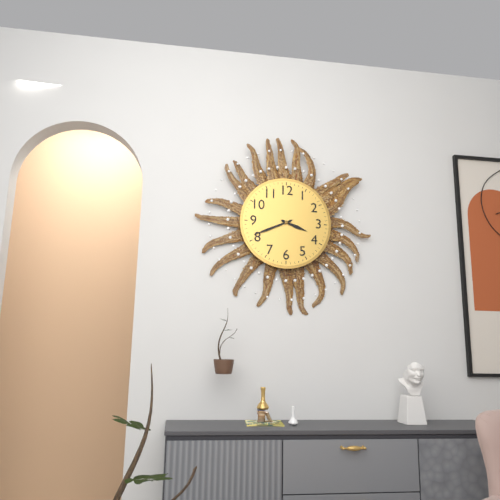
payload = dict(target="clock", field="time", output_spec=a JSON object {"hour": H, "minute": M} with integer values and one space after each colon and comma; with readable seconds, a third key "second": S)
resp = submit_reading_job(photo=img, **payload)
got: {"hour": 3, "minute": 41}
